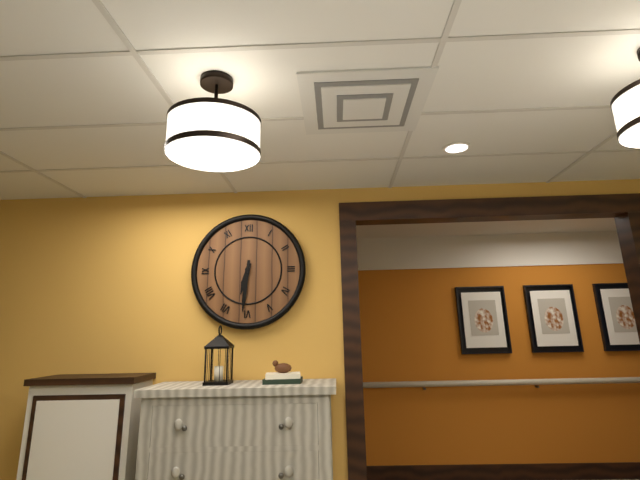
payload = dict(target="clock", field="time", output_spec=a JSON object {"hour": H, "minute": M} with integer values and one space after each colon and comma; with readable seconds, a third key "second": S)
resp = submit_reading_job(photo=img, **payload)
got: {"hour": 6, "minute": 31}
